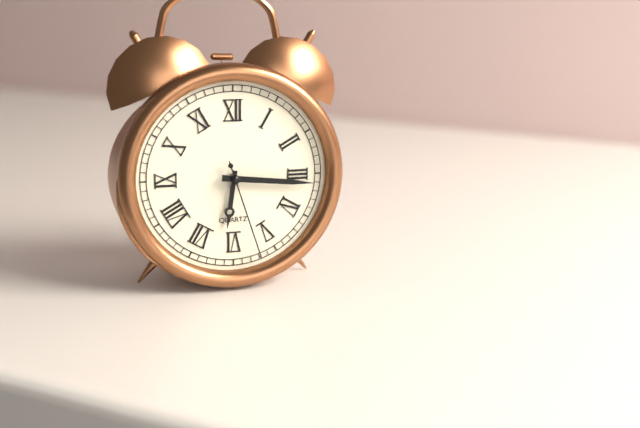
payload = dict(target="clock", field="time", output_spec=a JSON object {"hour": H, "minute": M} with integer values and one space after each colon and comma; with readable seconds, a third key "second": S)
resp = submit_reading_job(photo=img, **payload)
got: {"hour": 6, "minute": 16, "second": 27}
